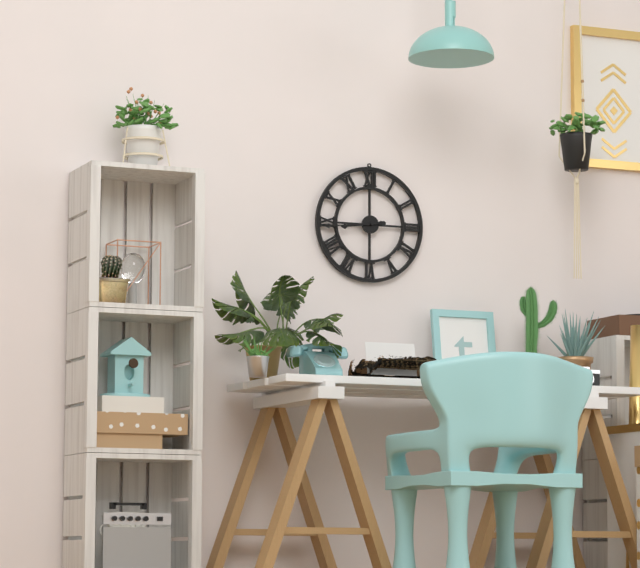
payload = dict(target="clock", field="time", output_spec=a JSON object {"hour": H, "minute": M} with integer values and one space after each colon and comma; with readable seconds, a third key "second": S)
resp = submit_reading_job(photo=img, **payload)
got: {"hour": 8, "minute": 44}
